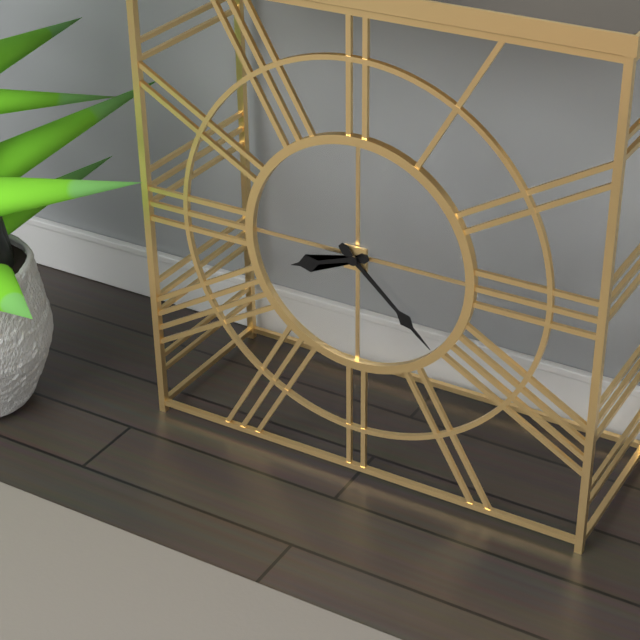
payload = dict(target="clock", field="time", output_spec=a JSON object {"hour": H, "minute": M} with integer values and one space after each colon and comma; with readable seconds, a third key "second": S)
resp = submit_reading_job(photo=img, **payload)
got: {"hour": 8, "minute": 22}
